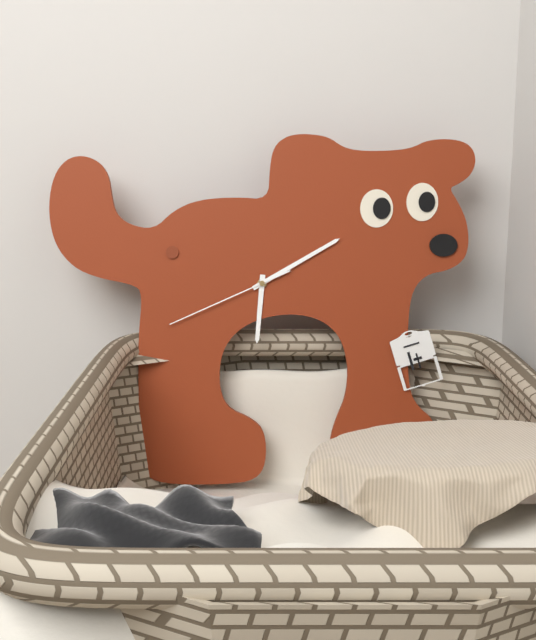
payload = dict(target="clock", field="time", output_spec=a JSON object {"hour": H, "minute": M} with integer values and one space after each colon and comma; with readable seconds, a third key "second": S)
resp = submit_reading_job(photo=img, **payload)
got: {"hour": 6, "minute": 10, "second": 41}
